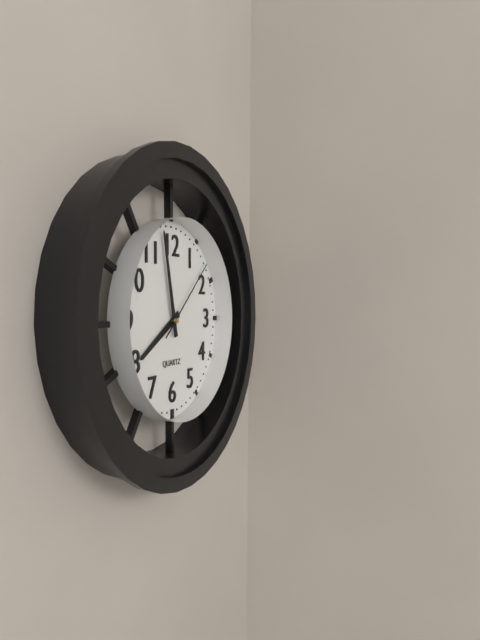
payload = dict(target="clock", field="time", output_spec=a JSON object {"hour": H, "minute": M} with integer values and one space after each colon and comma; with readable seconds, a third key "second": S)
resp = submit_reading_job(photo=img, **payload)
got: {"hour": 7, "minute": 58, "second": 8}
